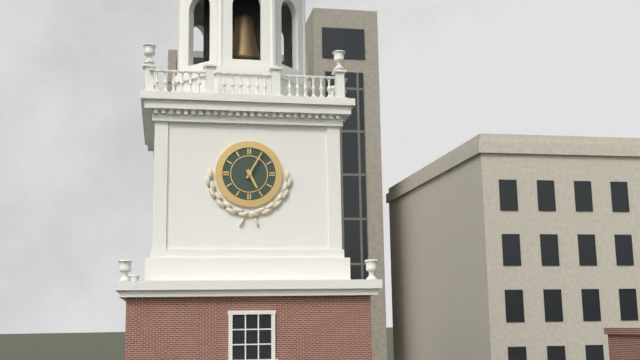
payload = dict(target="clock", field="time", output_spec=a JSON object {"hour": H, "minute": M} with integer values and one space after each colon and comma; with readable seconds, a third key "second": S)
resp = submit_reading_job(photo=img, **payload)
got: {"hour": 5, "minute": 5}
